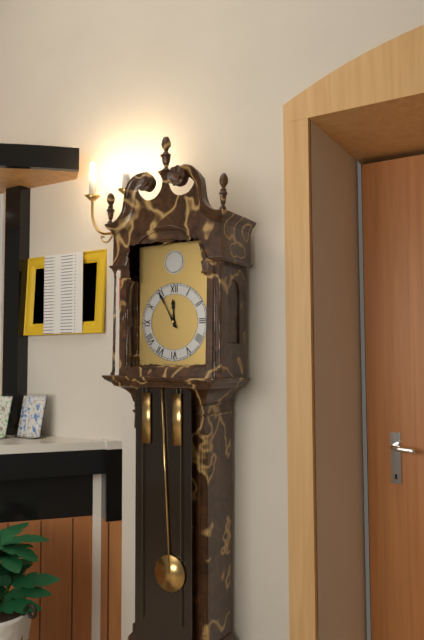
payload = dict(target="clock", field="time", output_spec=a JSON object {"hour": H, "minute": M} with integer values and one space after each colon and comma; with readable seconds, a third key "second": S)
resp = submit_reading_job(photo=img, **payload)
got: {"hour": 11, "minute": 55}
